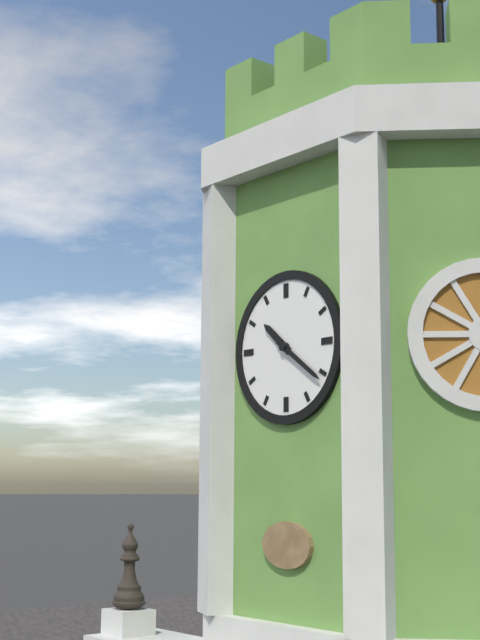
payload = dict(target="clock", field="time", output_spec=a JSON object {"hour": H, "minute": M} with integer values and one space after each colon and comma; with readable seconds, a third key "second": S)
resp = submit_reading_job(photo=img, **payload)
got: {"hour": 10, "minute": 21}
